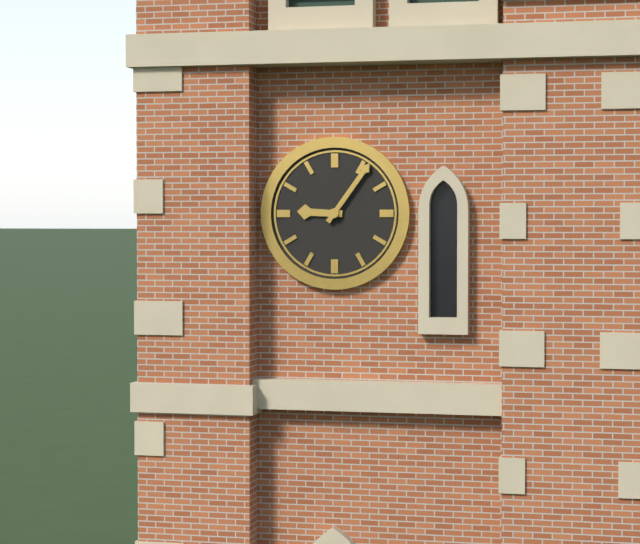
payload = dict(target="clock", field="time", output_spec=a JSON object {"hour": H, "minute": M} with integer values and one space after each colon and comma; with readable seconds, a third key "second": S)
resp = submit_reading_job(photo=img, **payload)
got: {"hour": 9, "minute": 6}
